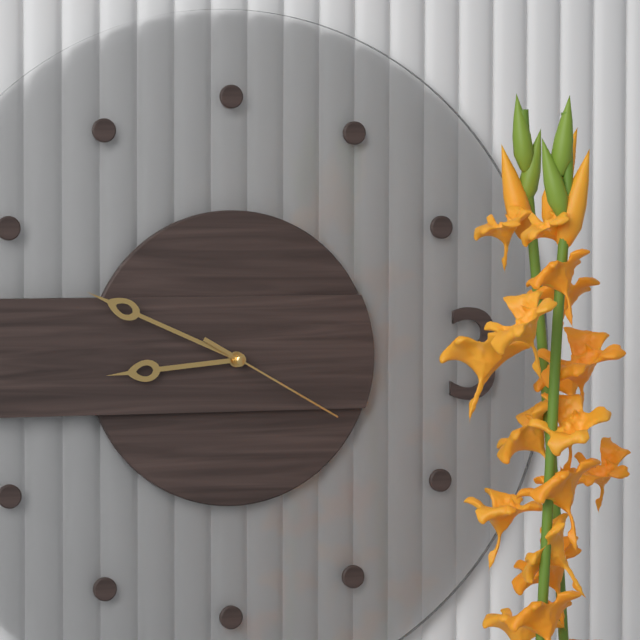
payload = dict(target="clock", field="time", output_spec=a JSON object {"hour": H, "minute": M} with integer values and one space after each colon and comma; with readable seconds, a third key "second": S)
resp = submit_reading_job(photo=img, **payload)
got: {"hour": 8, "minute": 49, "second": 20}
